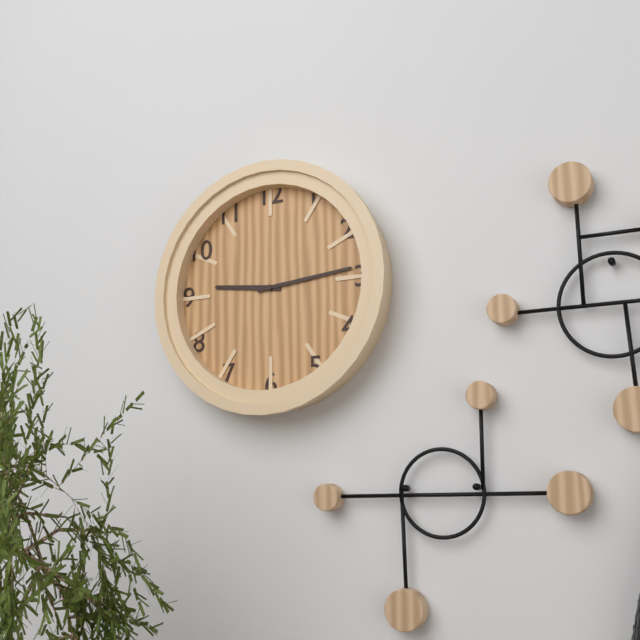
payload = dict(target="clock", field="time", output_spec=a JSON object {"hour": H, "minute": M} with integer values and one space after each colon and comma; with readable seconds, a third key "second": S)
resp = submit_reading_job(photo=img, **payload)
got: {"hour": 9, "minute": 14}
